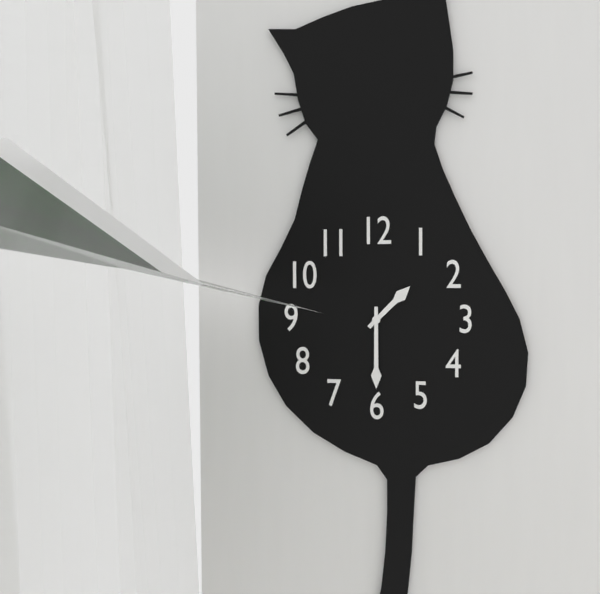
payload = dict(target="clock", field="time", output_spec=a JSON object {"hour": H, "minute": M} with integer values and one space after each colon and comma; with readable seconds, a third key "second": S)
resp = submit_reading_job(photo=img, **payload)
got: {"hour": 1, "minute": 30}
